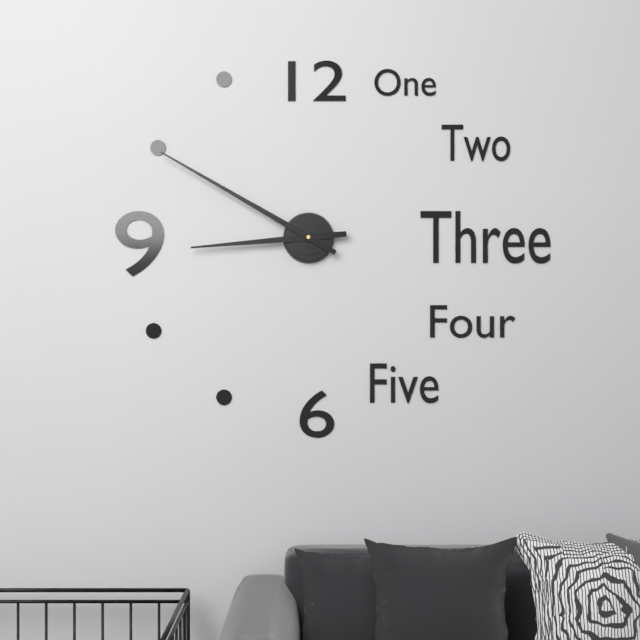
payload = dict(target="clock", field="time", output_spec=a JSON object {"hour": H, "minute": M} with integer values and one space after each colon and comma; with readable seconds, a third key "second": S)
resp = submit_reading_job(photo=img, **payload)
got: {"hour": 8, "minute": 50}
